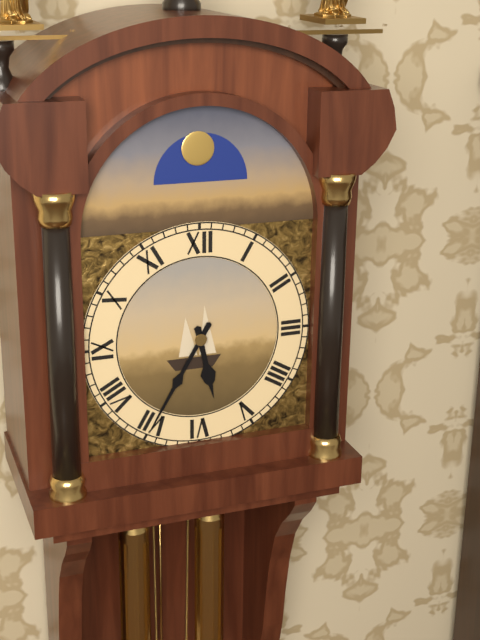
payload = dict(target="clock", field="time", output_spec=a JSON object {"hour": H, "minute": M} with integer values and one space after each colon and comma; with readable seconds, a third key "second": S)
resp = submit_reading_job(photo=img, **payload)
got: {"hour": 5, "minute": 35}
